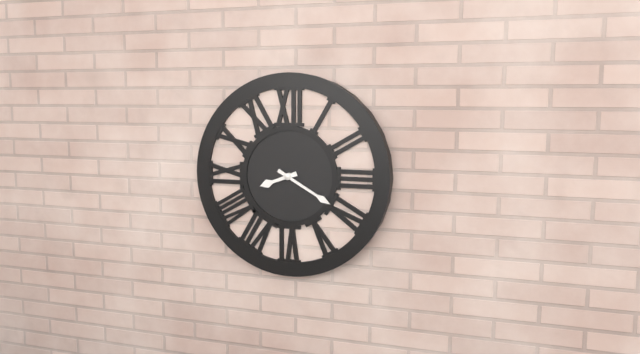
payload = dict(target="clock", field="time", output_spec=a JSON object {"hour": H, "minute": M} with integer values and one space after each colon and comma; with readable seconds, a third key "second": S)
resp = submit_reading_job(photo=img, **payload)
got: {"hour": 8, "minute": 20}
